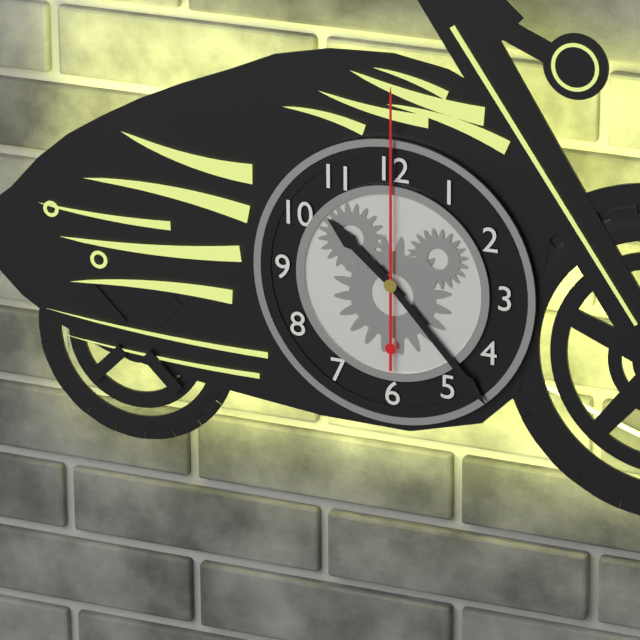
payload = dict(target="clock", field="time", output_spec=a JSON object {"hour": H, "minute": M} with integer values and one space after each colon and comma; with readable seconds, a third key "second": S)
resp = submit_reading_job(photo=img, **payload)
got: {"hour": 10, "minute": 23, "second": 0}
